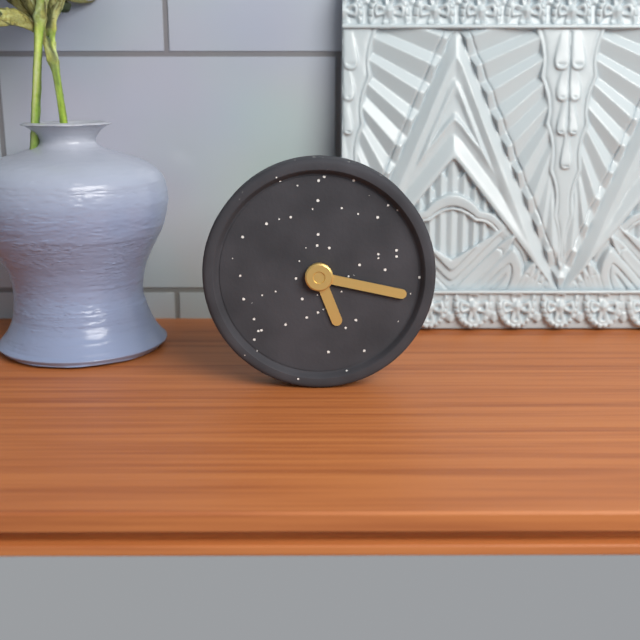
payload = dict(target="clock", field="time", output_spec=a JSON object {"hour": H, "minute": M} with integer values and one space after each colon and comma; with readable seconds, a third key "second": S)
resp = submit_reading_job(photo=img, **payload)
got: {"hour": 5, "minute": 17}
